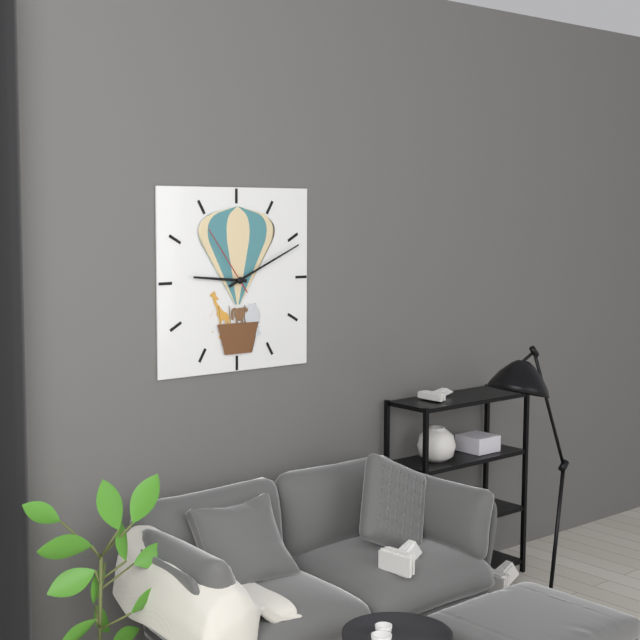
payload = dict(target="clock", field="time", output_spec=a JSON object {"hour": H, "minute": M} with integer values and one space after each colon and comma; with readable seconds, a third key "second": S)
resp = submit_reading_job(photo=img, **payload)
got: {"hour": 9, "minute": 11, "second": 54}
